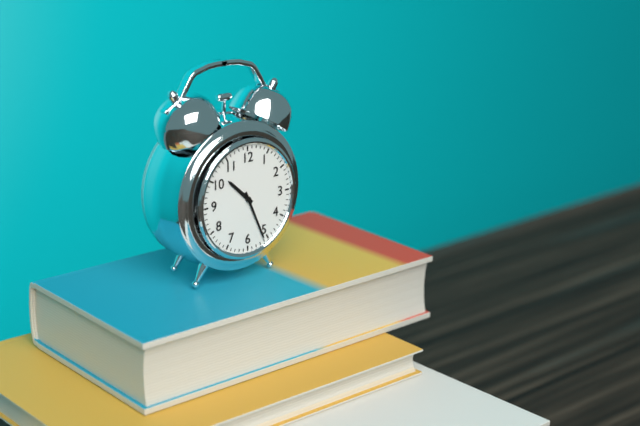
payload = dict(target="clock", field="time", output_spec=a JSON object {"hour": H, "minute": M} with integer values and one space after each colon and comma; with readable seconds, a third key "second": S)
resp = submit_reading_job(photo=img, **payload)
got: {"hour": 10, "minute": 26}
